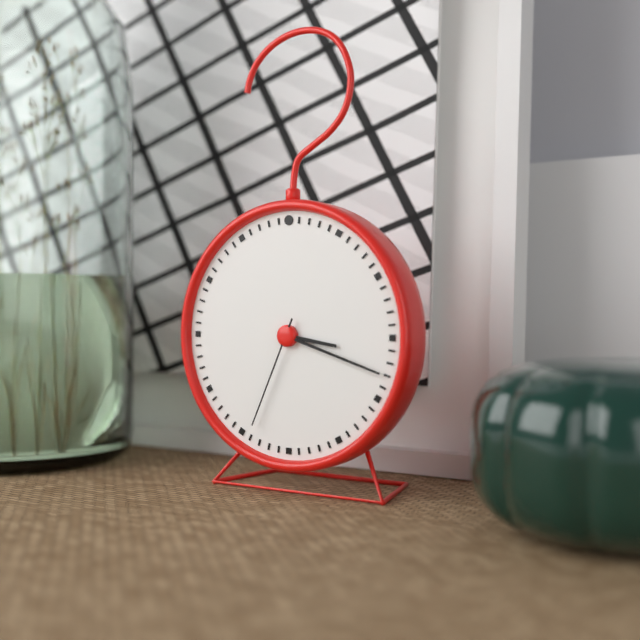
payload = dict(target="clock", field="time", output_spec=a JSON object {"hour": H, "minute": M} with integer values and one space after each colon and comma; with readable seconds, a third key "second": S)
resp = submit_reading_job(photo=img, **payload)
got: {"hour": 3, "minute": 18, "second": 34}
